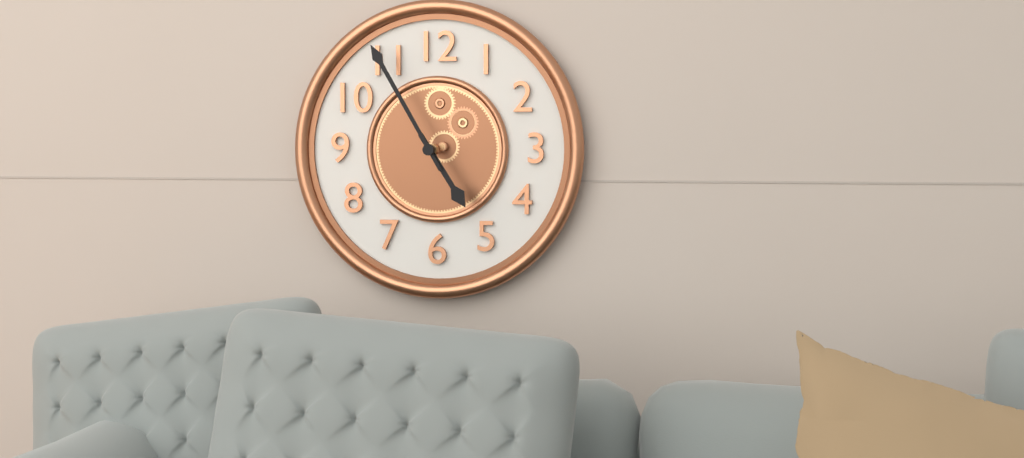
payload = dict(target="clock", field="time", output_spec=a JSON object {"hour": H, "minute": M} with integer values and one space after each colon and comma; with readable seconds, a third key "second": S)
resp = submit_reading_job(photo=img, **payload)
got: {"hour": 4, "minute": 55}
